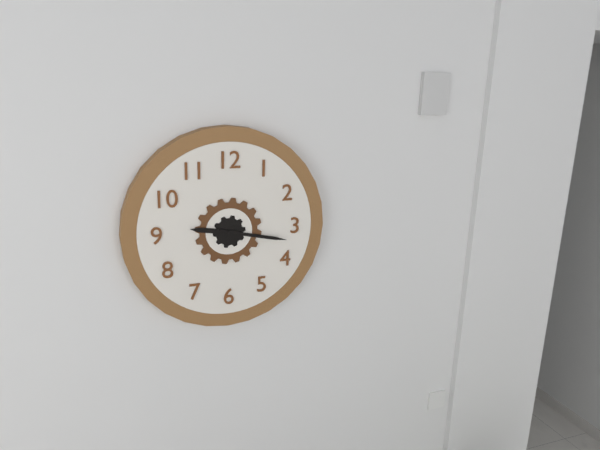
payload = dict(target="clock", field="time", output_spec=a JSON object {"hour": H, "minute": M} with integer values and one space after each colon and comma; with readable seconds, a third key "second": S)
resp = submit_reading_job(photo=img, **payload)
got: {"hour": 9, "minute": 17}
